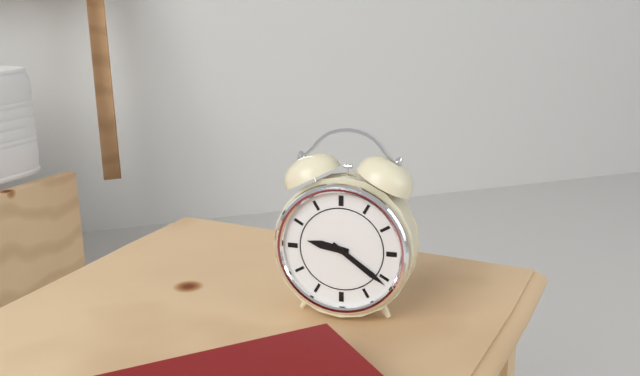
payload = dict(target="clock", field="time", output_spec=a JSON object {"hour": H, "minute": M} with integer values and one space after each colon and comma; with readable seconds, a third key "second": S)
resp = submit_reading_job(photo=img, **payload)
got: {"hour": 9, "minute": 21}
